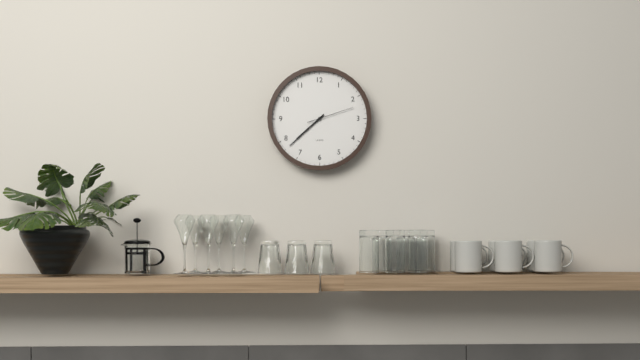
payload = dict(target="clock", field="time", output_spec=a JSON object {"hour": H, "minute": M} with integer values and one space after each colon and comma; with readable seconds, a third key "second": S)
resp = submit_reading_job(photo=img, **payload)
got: {"hour": 7, "minute": 38}
